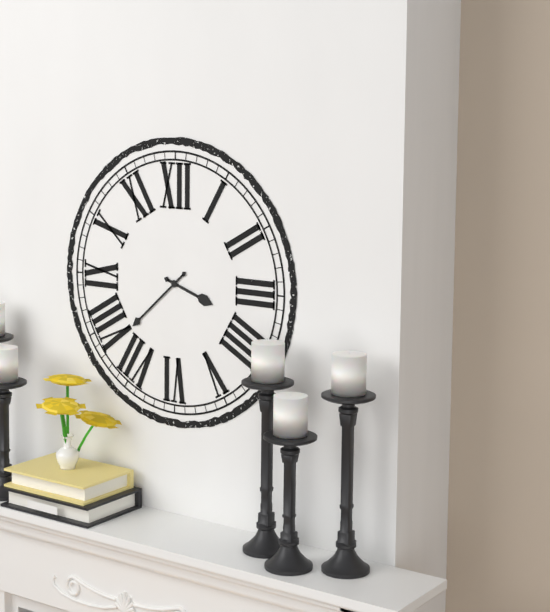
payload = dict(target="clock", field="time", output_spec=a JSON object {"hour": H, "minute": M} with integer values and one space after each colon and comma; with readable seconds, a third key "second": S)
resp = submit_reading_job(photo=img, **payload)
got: {"hour": 3, "minute": 38}
